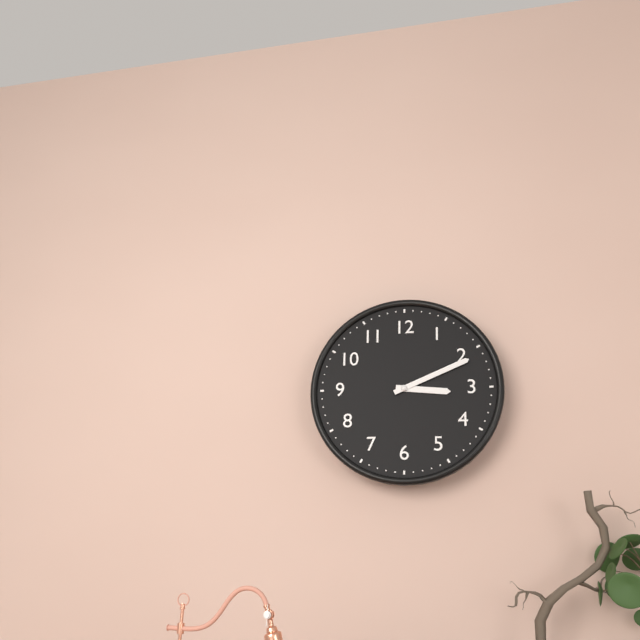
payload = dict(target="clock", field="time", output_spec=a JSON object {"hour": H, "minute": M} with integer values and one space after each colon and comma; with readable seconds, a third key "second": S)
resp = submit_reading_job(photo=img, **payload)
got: {"hour": 3, "minute": 11}
